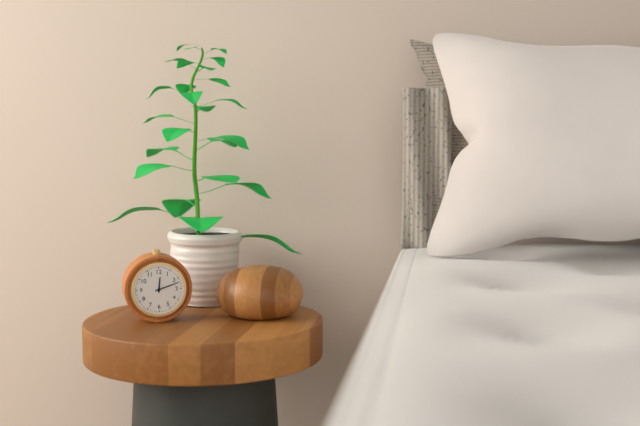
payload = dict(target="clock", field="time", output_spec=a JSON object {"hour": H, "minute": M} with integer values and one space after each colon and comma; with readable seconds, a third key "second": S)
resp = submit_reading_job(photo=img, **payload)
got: {"hour": 12, "minute": 12}
